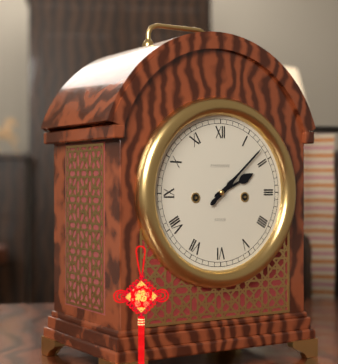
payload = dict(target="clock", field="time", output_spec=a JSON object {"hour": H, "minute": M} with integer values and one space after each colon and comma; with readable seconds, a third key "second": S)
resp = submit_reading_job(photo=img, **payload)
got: {"hour": 2, "minute": 8}
